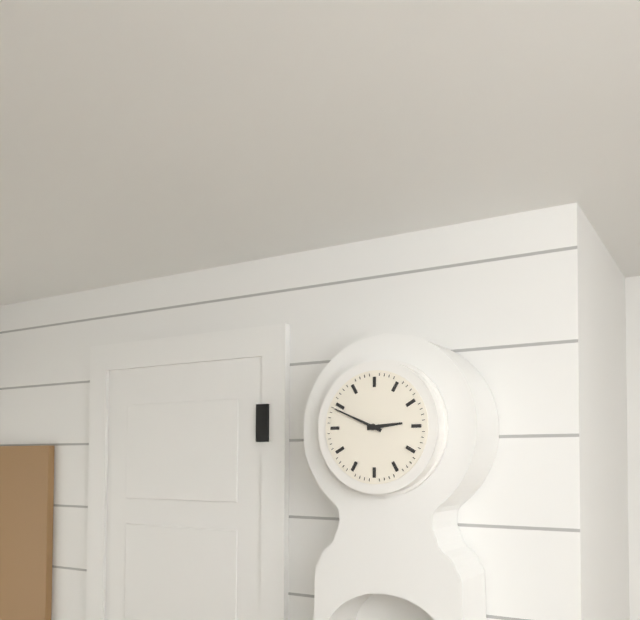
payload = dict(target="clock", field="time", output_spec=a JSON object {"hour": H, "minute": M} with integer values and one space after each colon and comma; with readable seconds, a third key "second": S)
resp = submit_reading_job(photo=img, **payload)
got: {"hour": 2, "minute": 49}
